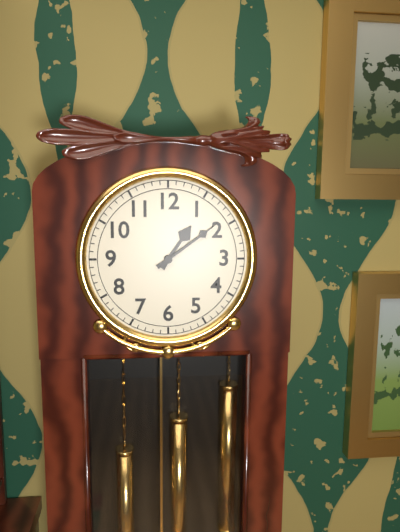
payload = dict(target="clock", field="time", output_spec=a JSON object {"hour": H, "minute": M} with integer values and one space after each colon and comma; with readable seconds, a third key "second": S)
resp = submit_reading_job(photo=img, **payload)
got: {"hour": 1, "minute": 9}
